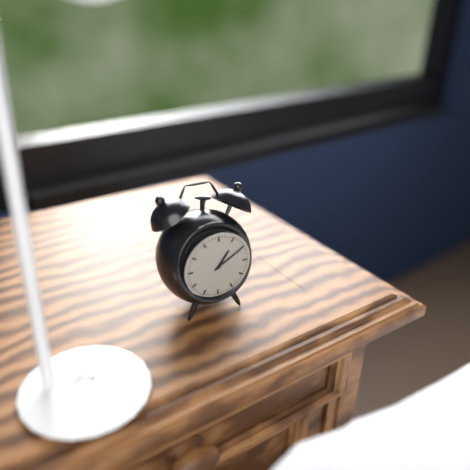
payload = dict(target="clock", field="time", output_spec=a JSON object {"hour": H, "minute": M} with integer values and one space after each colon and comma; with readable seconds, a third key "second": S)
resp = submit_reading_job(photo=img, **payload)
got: {"hour": 1, "minute": 10}
